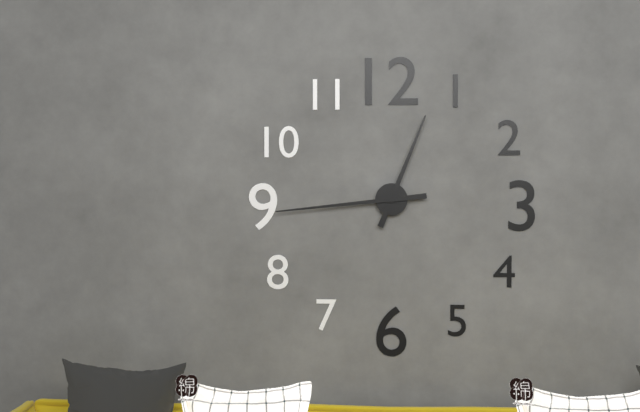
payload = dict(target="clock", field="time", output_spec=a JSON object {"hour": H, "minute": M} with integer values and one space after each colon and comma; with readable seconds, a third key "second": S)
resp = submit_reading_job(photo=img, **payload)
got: {"hour": 12, "minute": 44}
